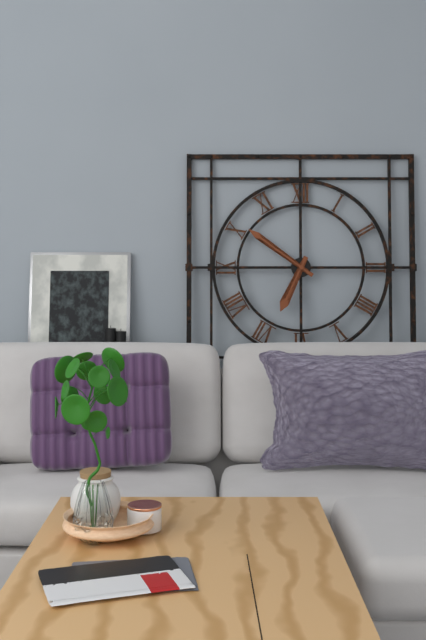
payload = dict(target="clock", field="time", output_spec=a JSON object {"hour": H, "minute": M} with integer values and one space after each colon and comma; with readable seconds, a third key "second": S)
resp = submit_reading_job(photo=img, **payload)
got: {"hour": 6, "minute": 51}
